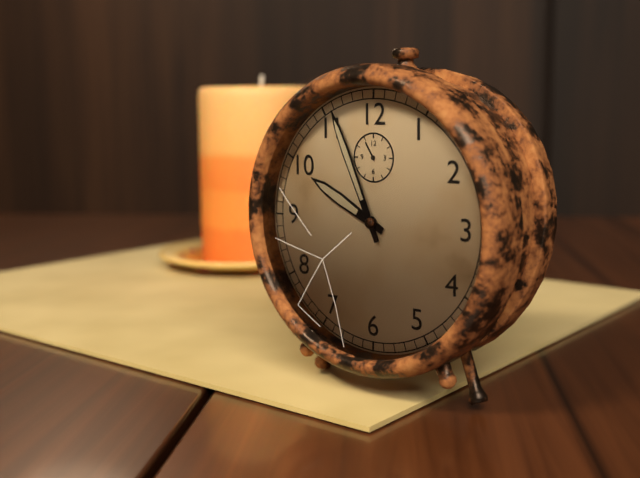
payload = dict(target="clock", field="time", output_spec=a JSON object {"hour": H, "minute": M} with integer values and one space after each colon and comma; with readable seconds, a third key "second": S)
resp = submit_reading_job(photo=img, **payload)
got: {"hour": 9, "minute": 56}
